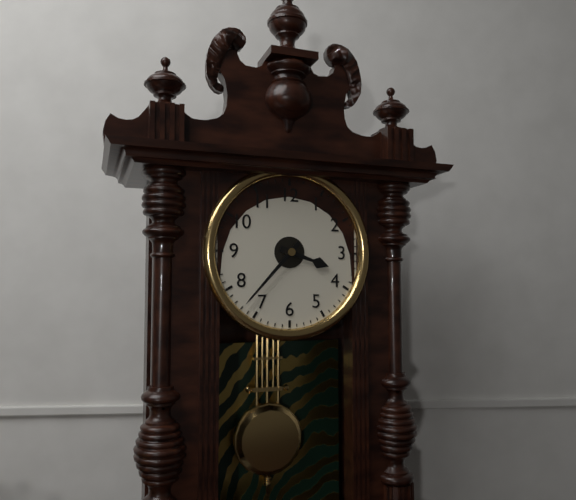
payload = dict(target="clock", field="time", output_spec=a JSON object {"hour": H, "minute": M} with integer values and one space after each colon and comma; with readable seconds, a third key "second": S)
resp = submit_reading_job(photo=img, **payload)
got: {"hour": 3, "minute": 37}
